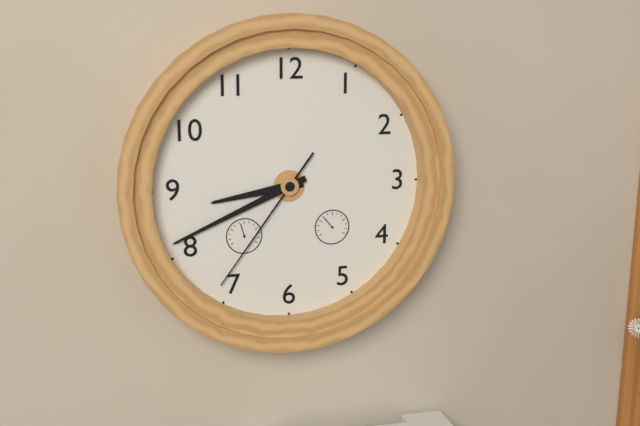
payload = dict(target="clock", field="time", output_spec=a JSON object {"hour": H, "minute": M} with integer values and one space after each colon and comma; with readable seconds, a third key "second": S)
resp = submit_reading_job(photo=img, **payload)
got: {"hour": 8, "minute": 41, "second": 36}
